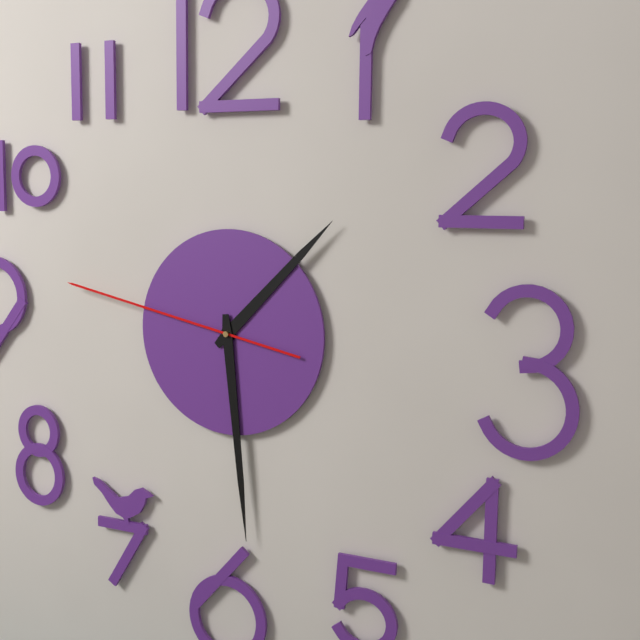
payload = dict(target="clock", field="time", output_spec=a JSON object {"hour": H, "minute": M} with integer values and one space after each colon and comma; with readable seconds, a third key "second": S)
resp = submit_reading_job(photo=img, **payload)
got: {"hour": 1, "minute": 29, "second": 47}
